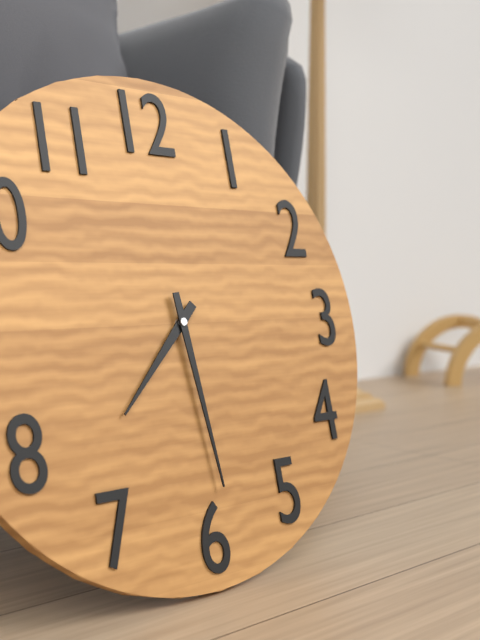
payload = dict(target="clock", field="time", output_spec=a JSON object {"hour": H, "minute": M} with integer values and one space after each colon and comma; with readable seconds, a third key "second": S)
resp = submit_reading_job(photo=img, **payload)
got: {"hour": 7, "minute": 29}
